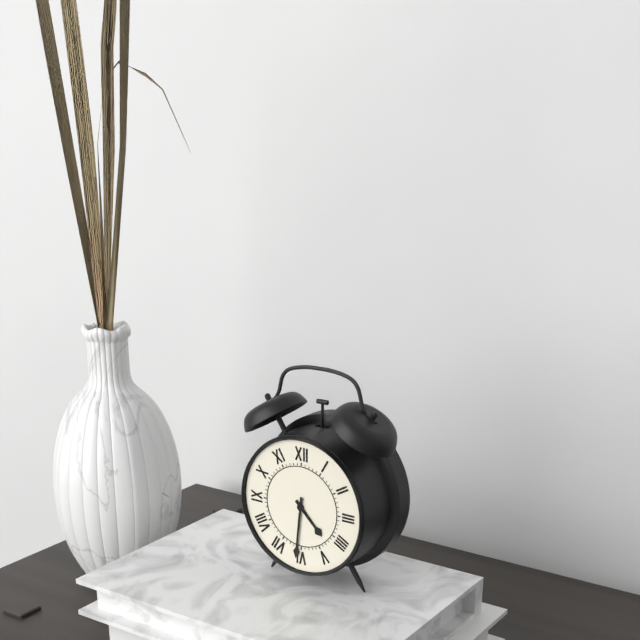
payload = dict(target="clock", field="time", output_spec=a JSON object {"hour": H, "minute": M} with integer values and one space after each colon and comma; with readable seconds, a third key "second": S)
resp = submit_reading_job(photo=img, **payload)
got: {"hour": 4, "minute": 31}
